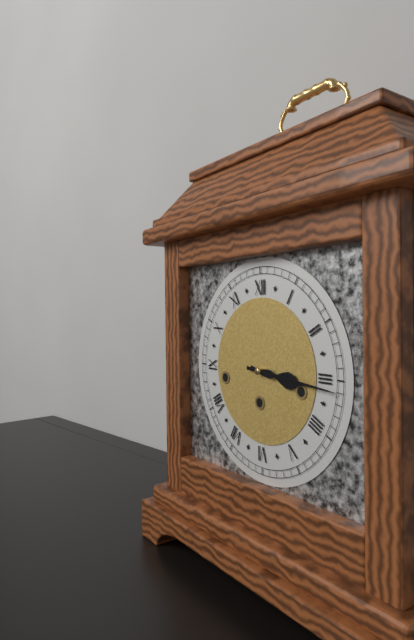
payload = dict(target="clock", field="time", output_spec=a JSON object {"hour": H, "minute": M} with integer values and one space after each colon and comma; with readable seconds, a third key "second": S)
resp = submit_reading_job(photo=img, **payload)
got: {"hour": 3, "minute": 16}
